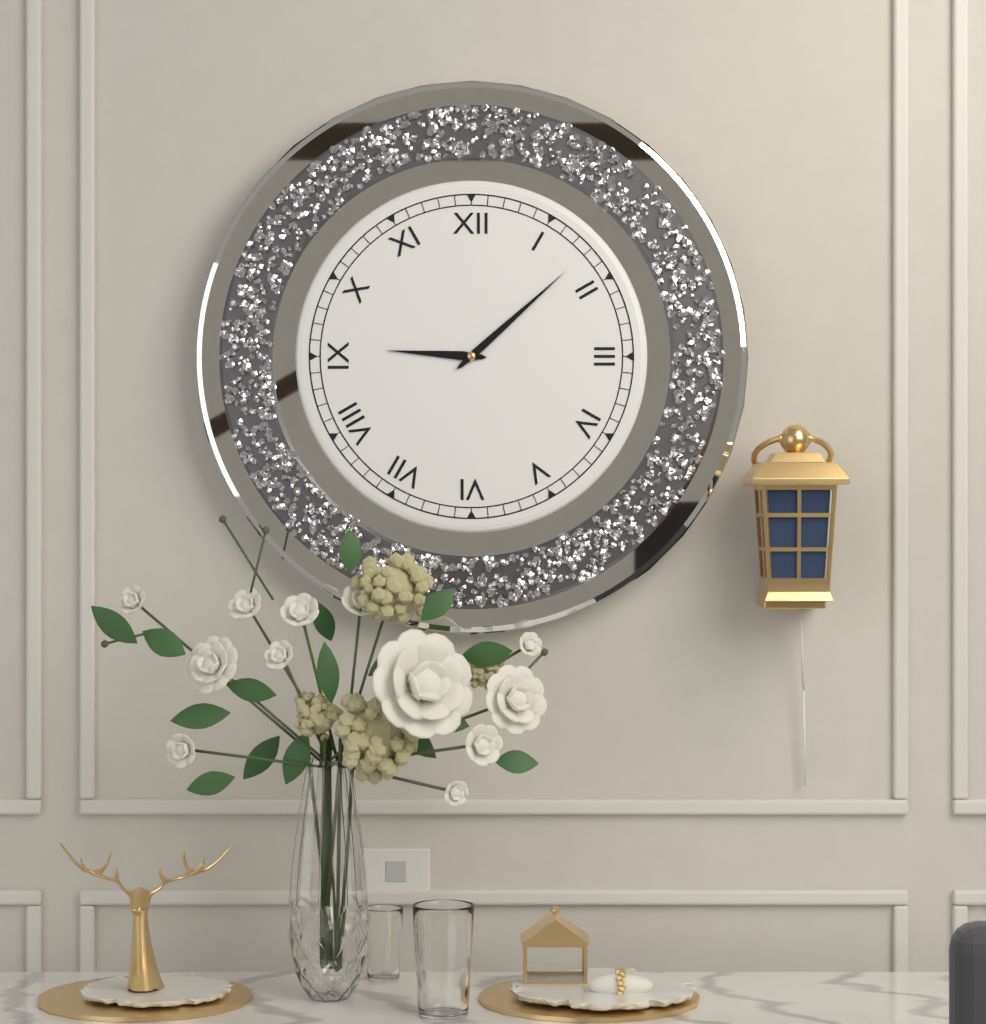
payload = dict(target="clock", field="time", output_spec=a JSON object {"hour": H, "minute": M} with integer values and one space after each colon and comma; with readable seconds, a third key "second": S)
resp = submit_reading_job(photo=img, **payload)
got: {"hour": 9, "minute": 8}
